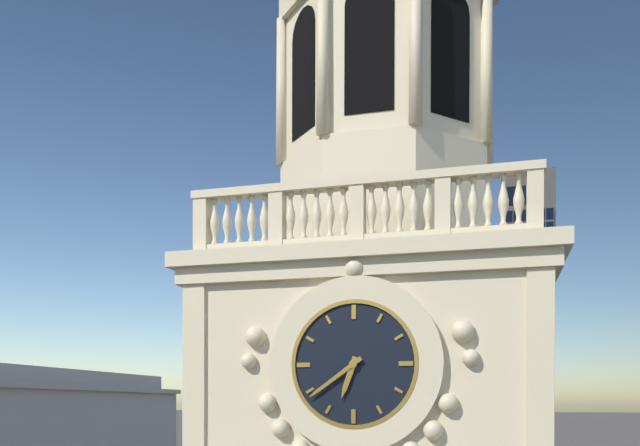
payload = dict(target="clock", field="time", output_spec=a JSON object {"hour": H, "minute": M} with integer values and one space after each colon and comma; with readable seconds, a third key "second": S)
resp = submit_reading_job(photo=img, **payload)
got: {"hour": 6, "minute": 39}
